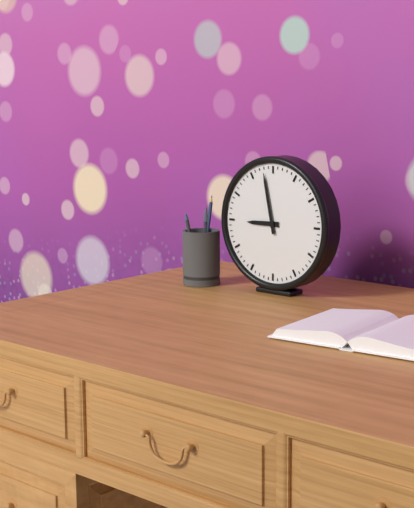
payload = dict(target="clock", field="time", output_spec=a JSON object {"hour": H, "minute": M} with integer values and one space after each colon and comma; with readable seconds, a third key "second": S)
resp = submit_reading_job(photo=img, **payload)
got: {"hour": 8, "minute": 58}
